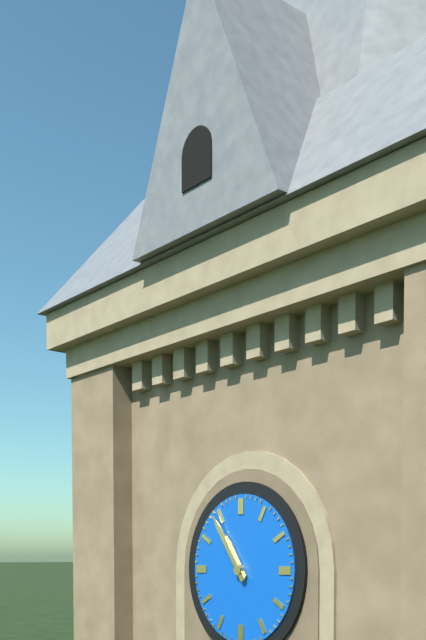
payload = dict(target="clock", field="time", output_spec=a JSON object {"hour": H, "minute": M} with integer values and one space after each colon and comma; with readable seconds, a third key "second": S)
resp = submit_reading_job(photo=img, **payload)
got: {"hour": 10, "minute": 54}
